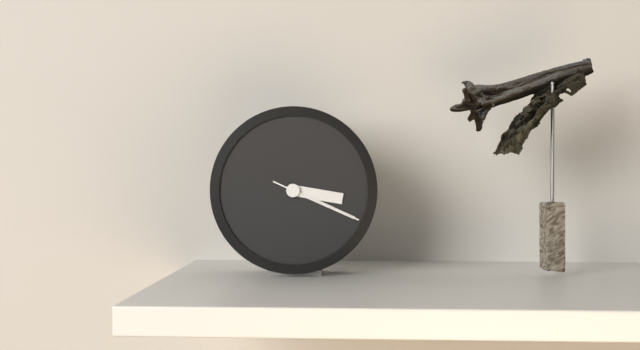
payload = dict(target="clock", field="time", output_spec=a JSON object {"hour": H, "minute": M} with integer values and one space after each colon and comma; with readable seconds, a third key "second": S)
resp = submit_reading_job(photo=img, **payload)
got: {"hour": 3, "minute": 19, "second": 19}
